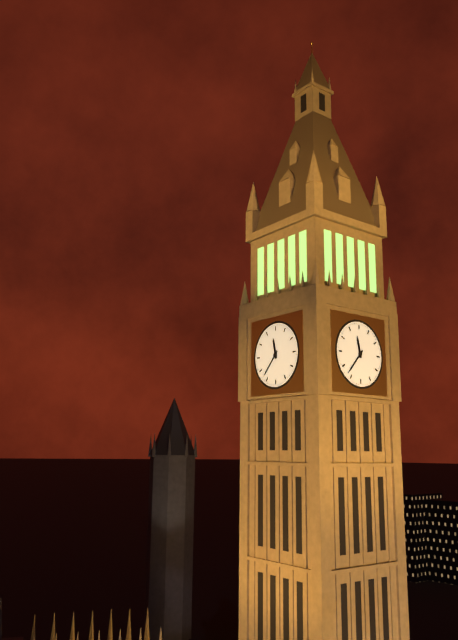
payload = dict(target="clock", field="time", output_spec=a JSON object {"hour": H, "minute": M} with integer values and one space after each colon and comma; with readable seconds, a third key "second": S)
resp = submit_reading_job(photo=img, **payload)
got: {"hour": 11, "minute": 37}
